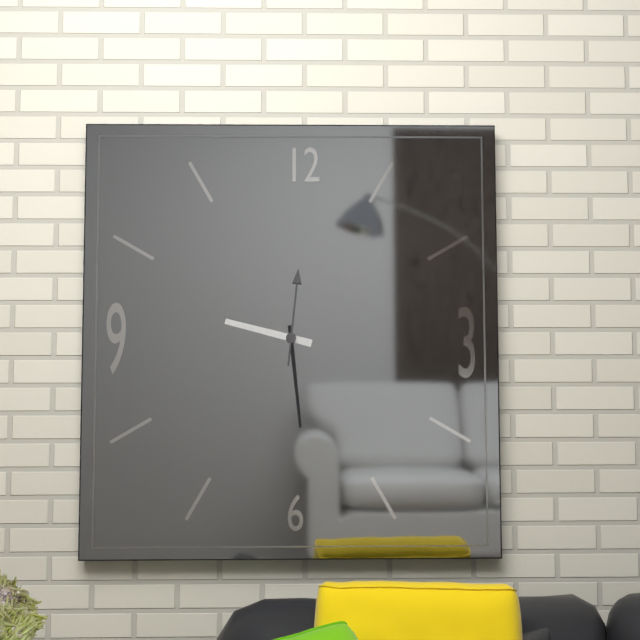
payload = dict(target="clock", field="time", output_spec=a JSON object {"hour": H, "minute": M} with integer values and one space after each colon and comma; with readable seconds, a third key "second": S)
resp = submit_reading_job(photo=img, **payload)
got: {"hour": 9, "minute": 29, "second": 1}
